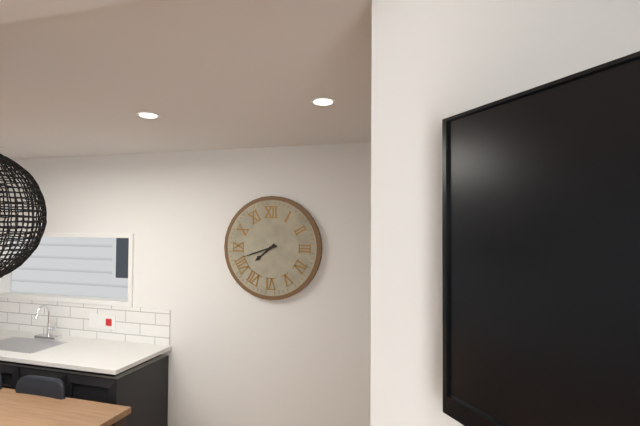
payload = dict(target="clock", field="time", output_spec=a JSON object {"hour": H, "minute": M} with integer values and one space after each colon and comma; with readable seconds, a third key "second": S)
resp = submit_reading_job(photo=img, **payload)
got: {"hour": 7, "minute": 42}
